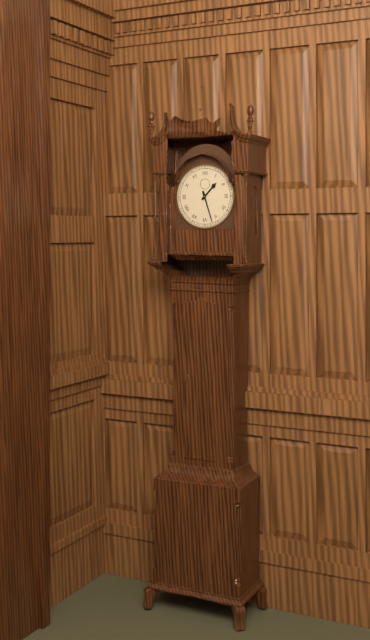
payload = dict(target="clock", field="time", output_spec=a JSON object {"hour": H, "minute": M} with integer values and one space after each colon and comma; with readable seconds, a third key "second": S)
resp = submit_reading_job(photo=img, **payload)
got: {"hour": 1, "minute": 27}
